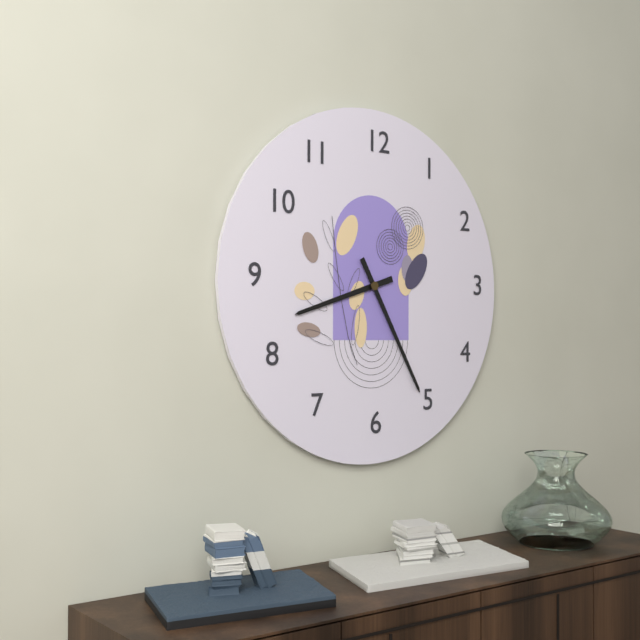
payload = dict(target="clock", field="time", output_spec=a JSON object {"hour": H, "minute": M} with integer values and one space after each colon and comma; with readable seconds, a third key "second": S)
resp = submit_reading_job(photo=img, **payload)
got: {"hour": 8, "minute": 25}
